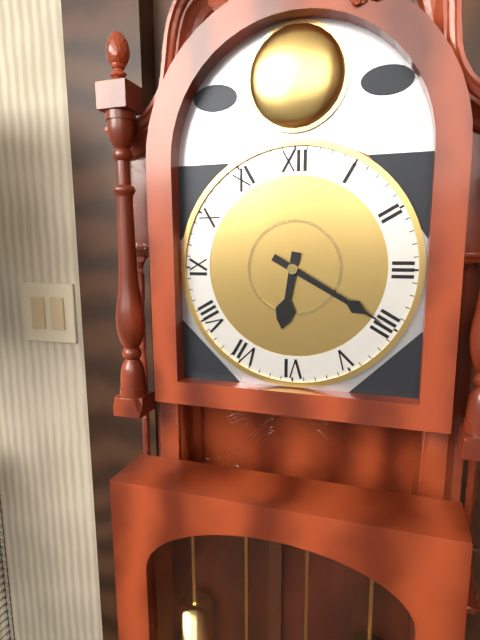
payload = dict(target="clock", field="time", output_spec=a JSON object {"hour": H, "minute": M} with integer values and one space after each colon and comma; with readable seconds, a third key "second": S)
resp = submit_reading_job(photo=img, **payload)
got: {"hour": 6, "minute": 20}
